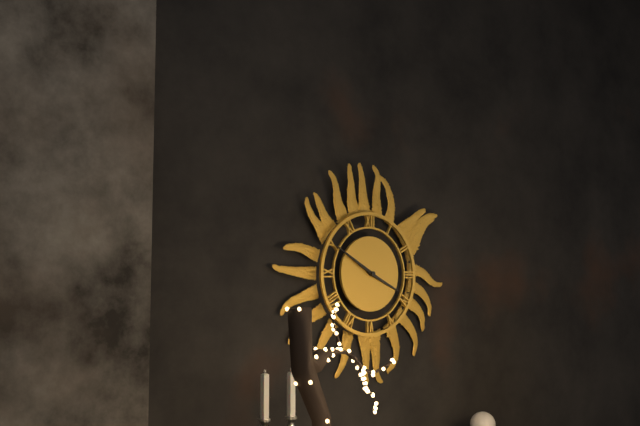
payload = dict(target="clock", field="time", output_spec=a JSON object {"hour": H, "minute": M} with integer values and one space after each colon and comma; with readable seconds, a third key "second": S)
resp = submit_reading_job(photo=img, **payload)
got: {"hour": 3, "minute": 50}
